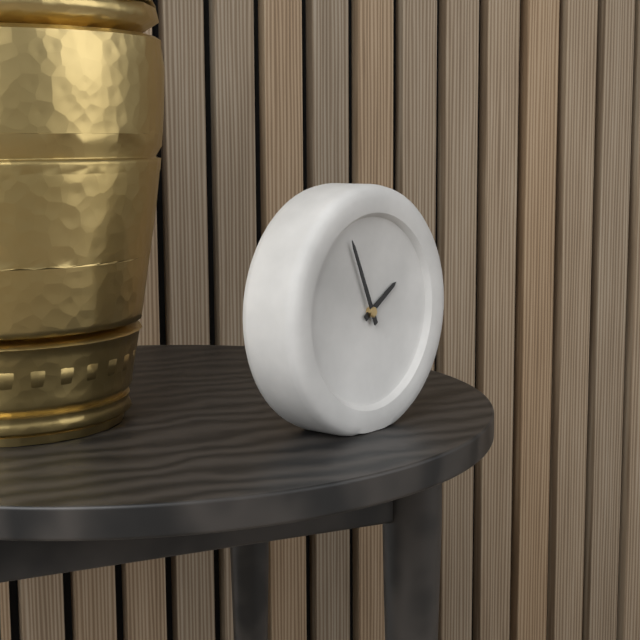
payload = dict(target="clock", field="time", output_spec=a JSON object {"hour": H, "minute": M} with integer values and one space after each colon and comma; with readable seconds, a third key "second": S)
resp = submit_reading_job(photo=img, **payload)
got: {"hour": 1, "minute": 56}
